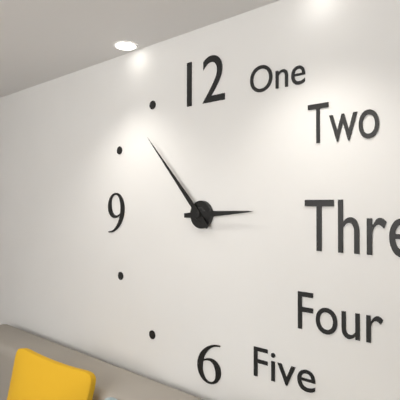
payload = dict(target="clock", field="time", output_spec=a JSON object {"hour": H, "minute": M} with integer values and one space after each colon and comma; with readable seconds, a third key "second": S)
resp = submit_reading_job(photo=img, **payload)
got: {"hour": 2, "minute": 53}
